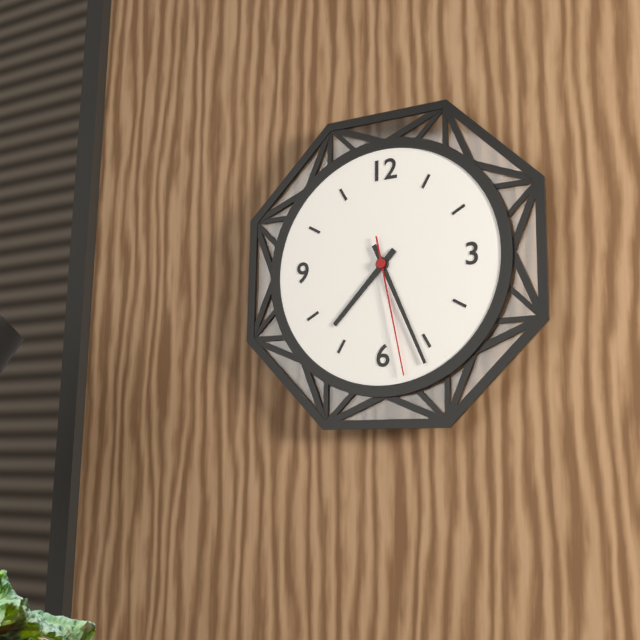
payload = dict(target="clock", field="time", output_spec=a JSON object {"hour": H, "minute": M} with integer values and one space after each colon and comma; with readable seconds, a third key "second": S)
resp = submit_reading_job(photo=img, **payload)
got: {"hour": 7, "minute": 26, "second": 28}
